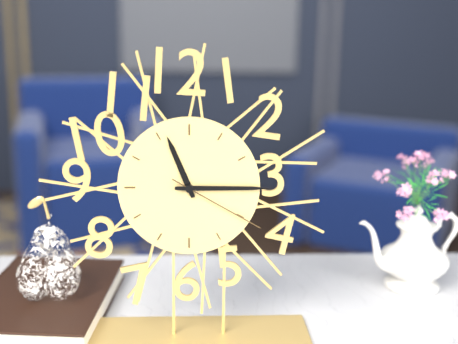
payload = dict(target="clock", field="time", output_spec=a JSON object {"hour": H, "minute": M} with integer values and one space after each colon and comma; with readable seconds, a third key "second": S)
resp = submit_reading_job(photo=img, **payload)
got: {"hour": 11, "minute": 15, "second": 20}
